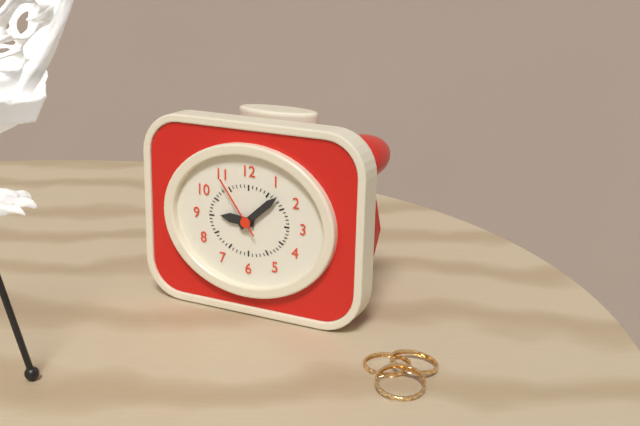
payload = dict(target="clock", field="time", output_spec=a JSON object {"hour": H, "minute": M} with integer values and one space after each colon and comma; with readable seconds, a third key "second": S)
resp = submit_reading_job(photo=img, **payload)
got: {"hour": 9, "minute": 8, "second": 54}
